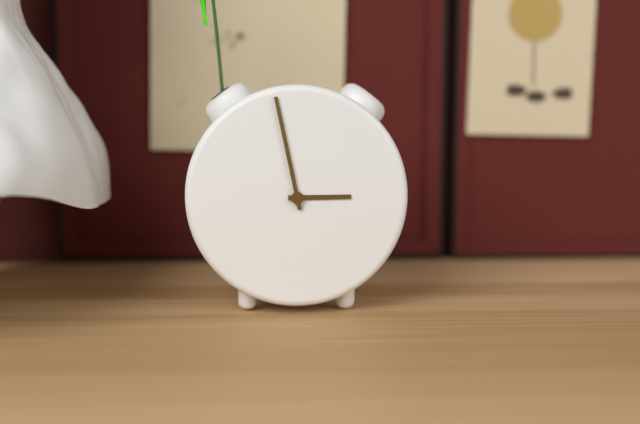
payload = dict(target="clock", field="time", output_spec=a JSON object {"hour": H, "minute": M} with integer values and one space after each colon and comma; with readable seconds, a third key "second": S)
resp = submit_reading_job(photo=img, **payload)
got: {"hour": 2, "minute": 58}
